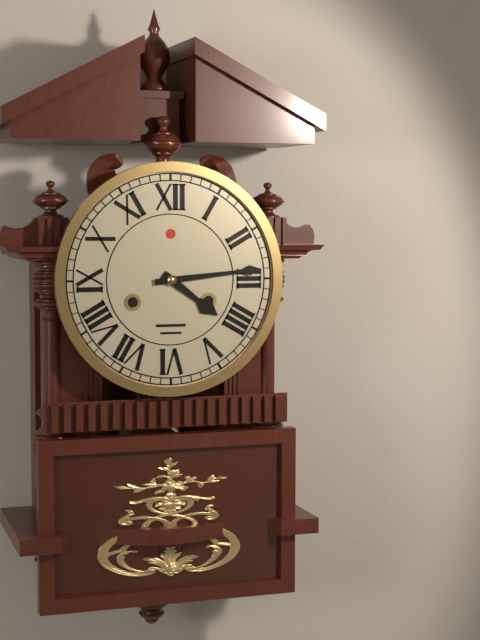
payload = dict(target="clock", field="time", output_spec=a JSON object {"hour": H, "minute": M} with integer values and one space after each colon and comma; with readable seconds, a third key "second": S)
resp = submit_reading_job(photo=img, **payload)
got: {"hour": 4, "minute": 14}
